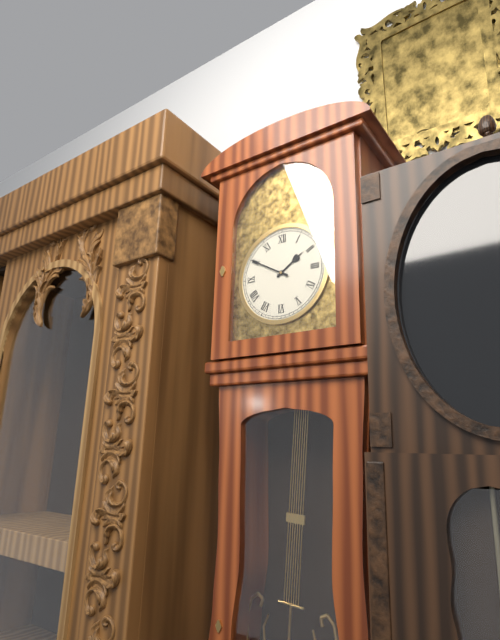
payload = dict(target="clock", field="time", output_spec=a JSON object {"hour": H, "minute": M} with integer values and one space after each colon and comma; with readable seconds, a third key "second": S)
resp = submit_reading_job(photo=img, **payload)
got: {"hour": 1, "minute": 50}
